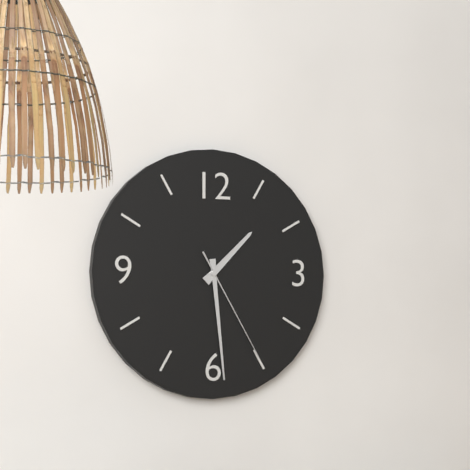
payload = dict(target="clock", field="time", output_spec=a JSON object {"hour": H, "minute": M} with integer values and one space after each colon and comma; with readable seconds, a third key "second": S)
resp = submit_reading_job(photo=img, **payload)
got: {"hour": 1, "minute": 29, "second": 25}
